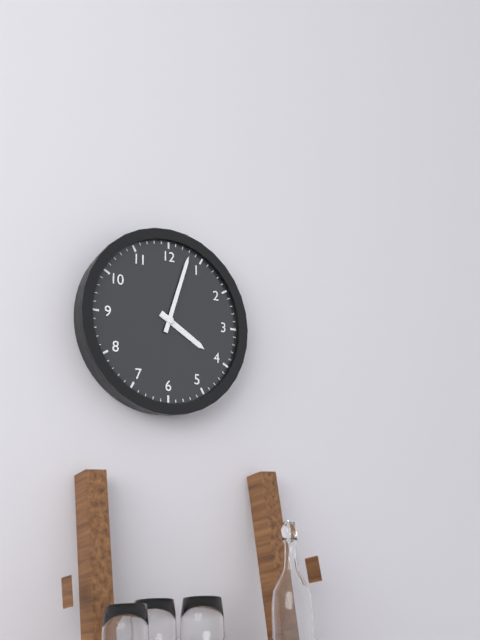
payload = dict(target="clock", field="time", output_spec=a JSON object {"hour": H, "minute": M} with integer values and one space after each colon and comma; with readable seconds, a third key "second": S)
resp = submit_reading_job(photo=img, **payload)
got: {"hour": 4, "minute": 3}
